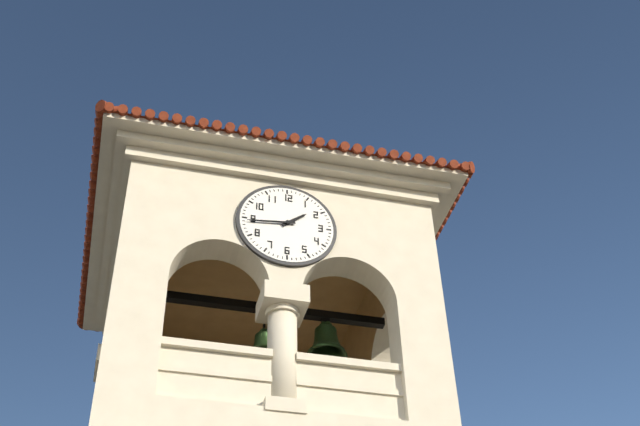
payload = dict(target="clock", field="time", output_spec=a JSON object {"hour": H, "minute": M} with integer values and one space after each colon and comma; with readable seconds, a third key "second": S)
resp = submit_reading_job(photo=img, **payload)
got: {"hour": 1, "minute": 44}
